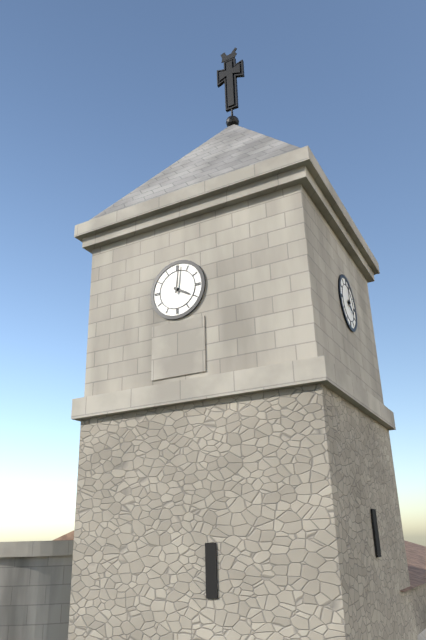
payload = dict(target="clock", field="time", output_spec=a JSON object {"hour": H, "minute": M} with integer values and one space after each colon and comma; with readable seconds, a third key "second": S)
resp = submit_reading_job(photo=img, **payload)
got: {"hour": 4, "minute": 1}
